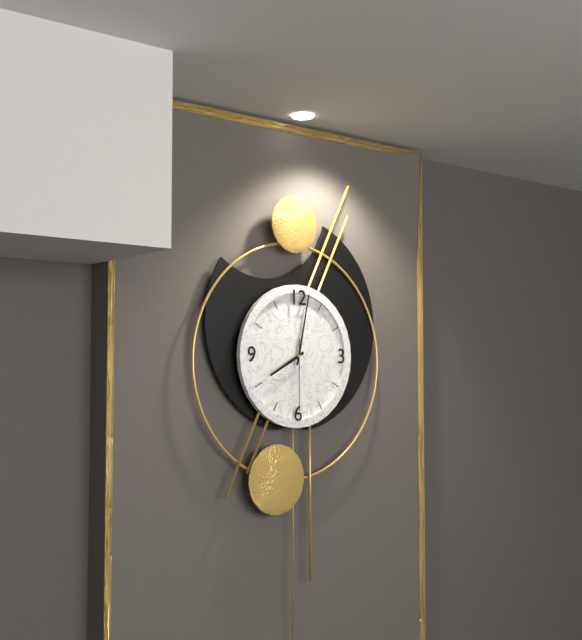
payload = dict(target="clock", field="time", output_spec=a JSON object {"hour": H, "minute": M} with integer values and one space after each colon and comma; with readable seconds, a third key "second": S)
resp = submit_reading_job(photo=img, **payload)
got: {"hour": 8, "minute": 2, "second": 30}
